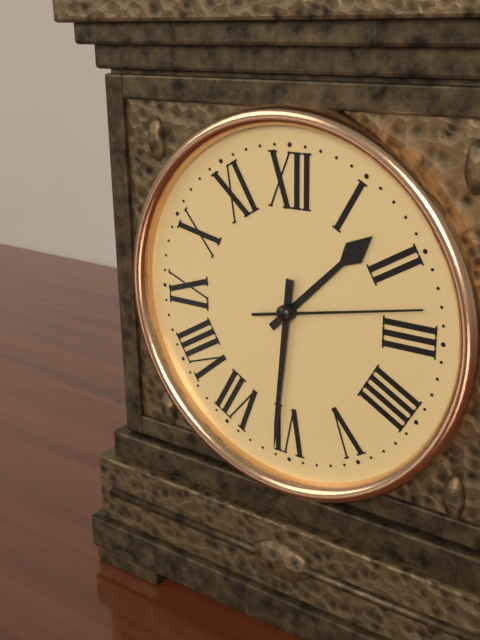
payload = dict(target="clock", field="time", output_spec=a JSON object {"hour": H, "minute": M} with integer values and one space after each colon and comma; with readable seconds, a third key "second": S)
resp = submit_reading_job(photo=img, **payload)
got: {"hour": 1, "minute": 31, "second": 13}
